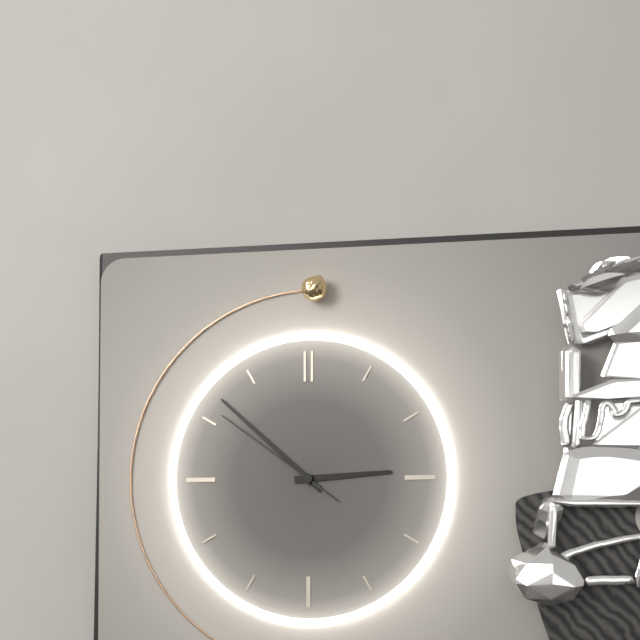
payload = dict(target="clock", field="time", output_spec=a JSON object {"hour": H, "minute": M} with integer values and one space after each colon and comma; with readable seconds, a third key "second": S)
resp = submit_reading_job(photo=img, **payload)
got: {"hour": 2, "minute": 52, "second": 51}
